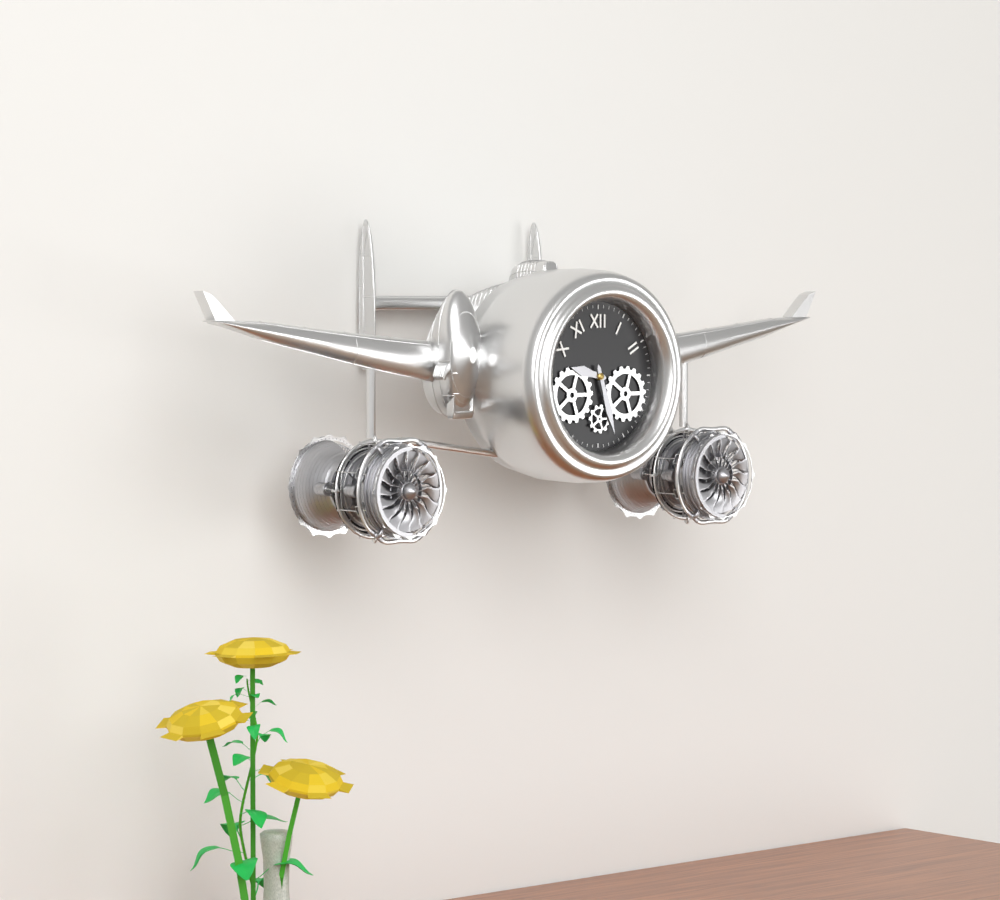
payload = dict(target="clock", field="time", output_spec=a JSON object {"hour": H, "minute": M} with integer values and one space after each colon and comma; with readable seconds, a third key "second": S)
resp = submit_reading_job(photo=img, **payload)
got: {"hour": 9, "minute": 27}
